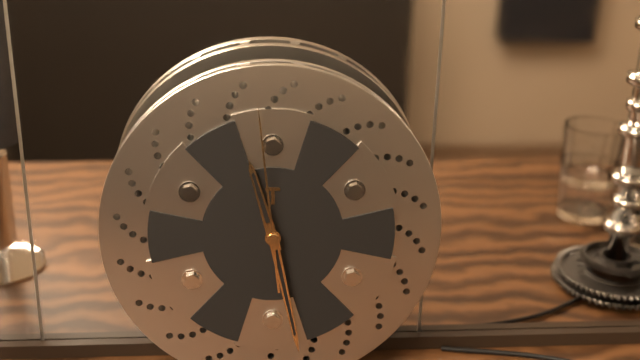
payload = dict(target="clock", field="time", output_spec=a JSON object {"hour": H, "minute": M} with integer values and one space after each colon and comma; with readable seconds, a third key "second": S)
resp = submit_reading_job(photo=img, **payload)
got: {"hour": 11, "minute": 28, "second": 59}
